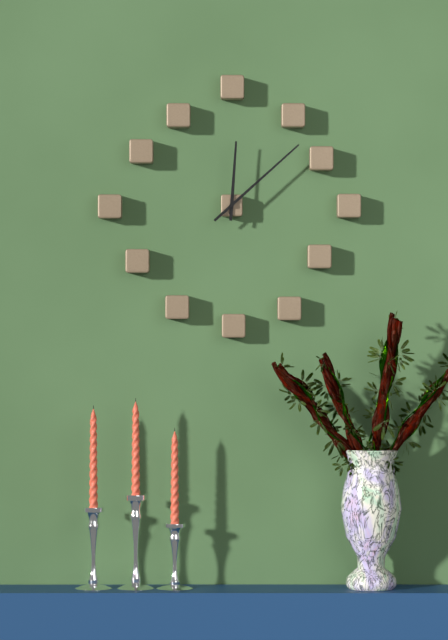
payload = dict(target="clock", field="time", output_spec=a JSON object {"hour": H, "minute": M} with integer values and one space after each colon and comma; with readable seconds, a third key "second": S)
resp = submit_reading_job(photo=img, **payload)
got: {"hour": 12, "minute": 8}
